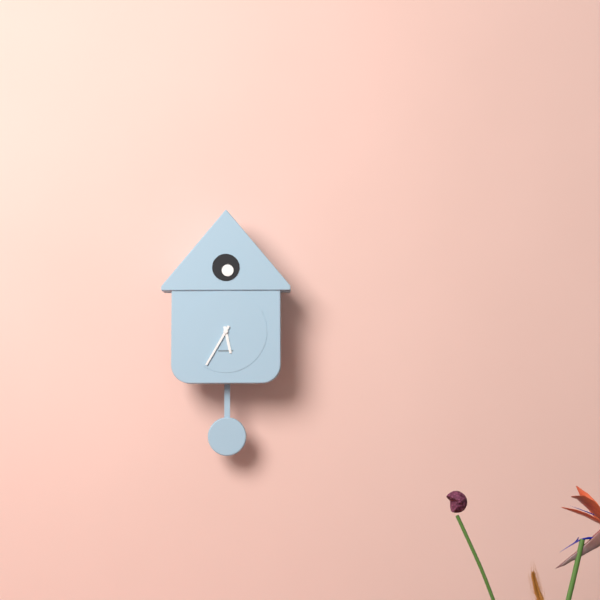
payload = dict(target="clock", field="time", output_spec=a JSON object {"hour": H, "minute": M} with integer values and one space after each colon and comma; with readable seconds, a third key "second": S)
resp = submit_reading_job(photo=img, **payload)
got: {"hour": 5, "minute": 35}
